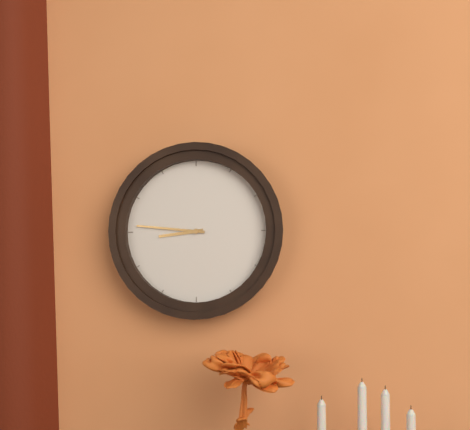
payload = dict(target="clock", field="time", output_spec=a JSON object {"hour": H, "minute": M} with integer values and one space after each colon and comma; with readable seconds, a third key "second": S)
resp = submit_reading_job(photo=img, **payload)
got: {"hour": 8, "minute": 46}
